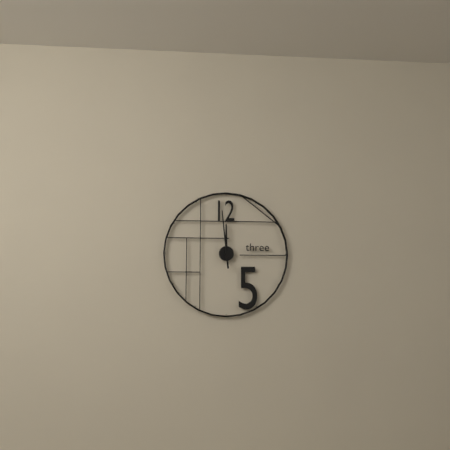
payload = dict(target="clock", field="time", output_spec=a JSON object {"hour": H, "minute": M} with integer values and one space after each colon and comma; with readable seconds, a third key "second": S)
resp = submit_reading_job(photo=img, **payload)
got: {"hour": 11, "minute": 59}
